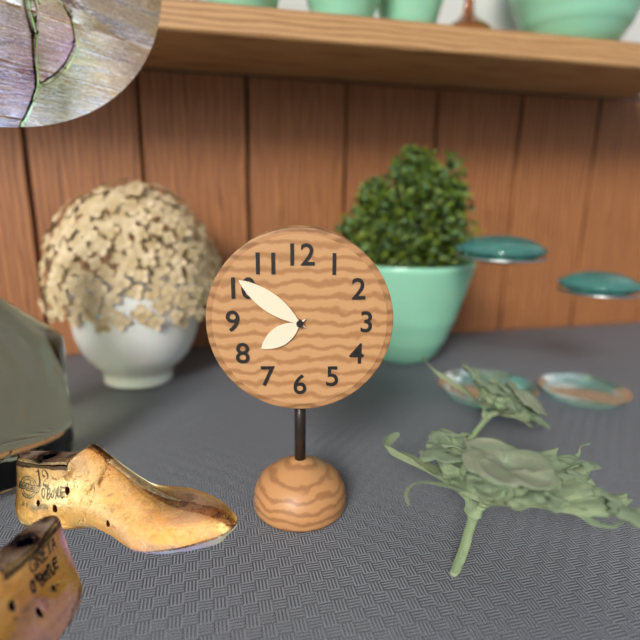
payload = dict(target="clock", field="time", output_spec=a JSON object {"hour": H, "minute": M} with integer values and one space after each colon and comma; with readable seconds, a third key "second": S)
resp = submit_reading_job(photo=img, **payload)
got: {"hour": 7, "minute": 51}
